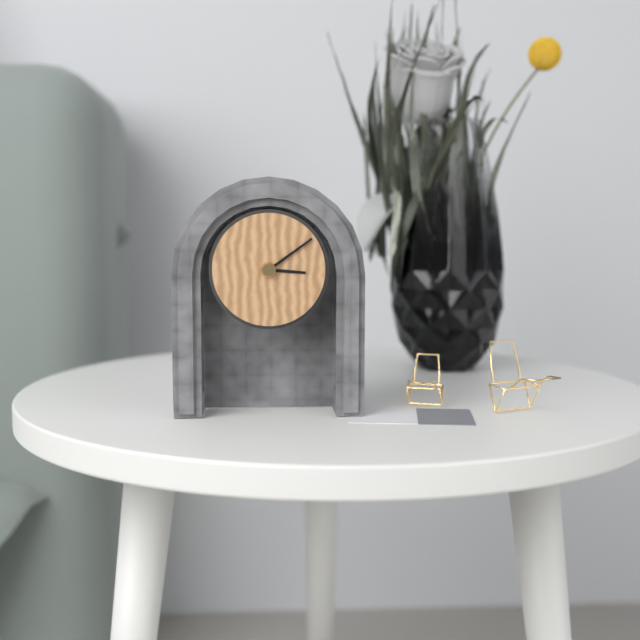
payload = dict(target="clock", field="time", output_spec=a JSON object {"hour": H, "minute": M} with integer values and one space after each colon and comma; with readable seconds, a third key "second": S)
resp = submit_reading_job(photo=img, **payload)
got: {"hour": 3, "minute": 9}
